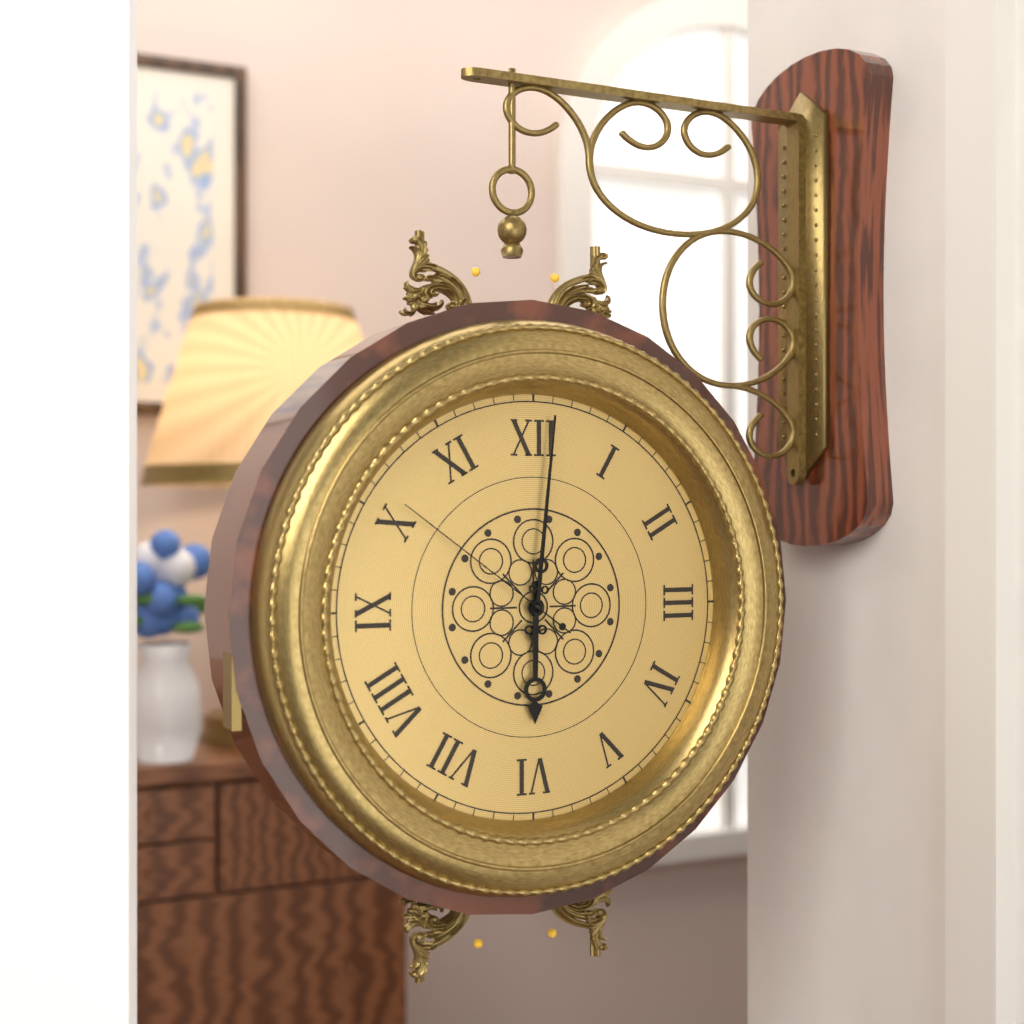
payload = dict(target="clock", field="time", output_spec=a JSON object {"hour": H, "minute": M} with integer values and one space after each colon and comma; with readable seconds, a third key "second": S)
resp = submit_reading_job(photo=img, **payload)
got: {"hour": 6, "minute": 1, "second": 51}
